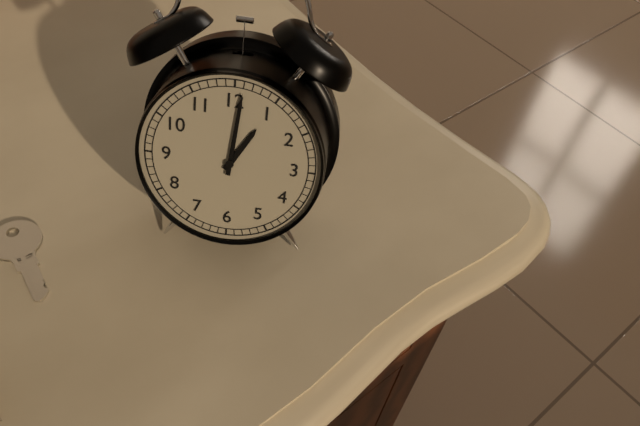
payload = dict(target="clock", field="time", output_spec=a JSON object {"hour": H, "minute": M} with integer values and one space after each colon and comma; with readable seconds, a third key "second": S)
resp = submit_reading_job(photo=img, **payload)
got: {"hour": 1, "minute": 1}
